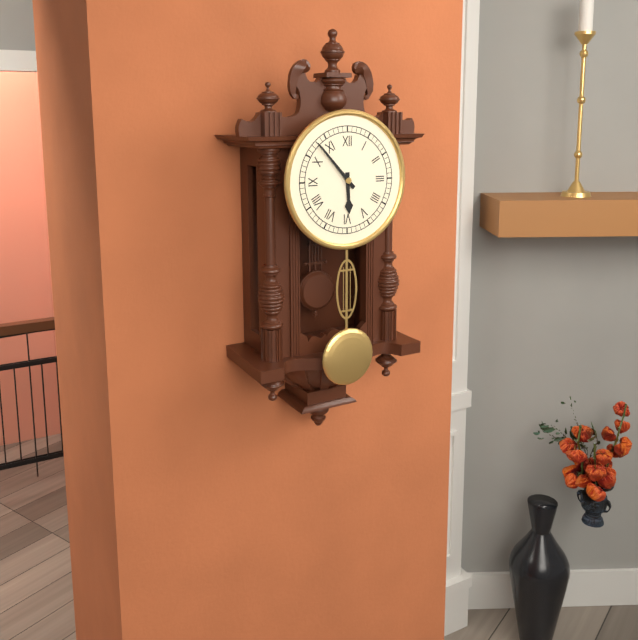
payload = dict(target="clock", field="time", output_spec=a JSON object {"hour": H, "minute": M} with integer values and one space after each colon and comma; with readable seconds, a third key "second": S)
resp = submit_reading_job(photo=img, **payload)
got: {"hour": 5, "minute": 53}
